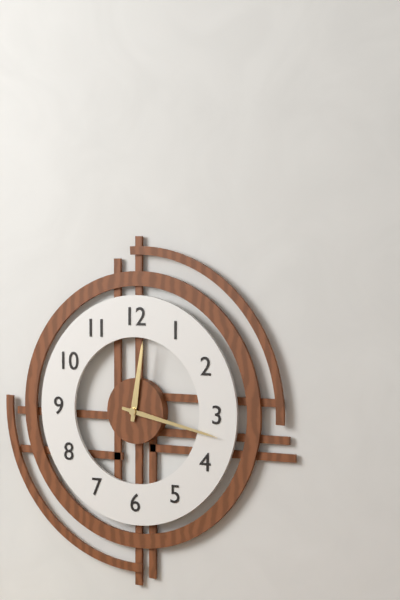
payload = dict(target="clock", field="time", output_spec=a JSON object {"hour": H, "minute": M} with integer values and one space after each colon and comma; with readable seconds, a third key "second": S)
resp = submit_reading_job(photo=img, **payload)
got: {"hour": 12, "minute": 17}
